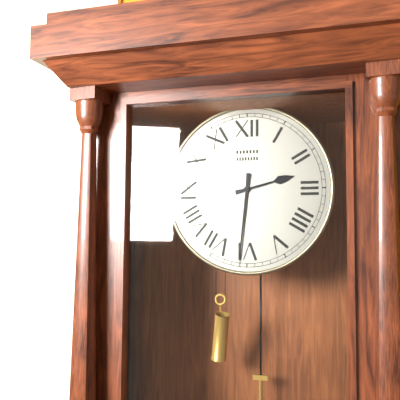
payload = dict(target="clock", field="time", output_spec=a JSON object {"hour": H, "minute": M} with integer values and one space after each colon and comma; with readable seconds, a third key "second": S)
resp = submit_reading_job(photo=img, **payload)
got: {"hour": 2, "minute": 31}
